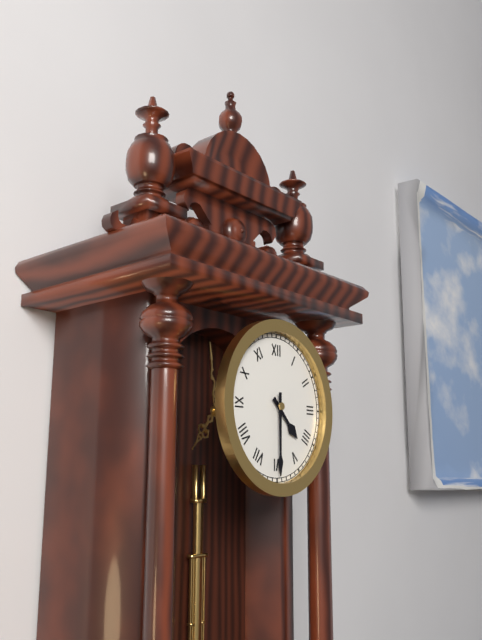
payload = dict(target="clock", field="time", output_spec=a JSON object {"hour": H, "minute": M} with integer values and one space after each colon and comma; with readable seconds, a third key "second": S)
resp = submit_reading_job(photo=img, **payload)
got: {"hour": 4, "minute": 30}
